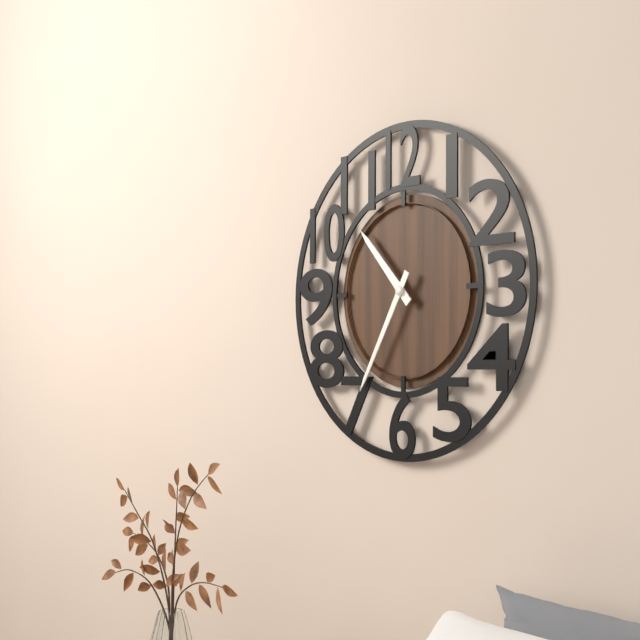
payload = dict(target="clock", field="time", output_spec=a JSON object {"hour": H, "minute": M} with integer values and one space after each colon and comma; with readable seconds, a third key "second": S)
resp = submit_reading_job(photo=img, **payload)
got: {"hour": 10, "minute": 35}
